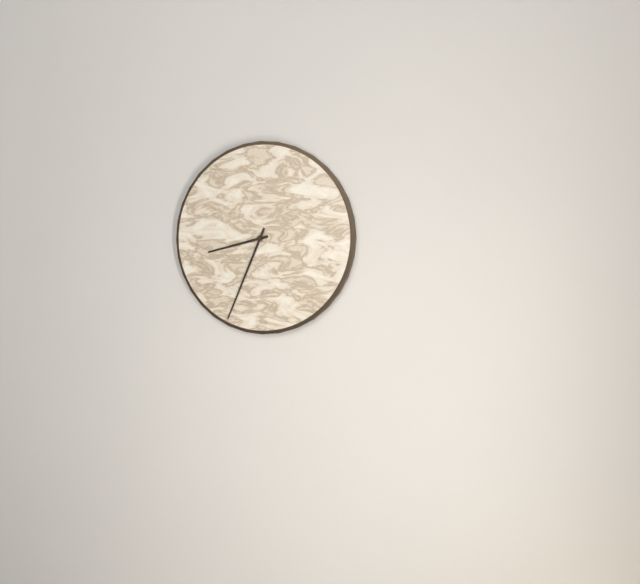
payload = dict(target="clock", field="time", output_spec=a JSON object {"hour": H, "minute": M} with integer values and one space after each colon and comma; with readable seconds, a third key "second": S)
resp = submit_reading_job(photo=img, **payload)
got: {"hour": 8, "minute": 34}
